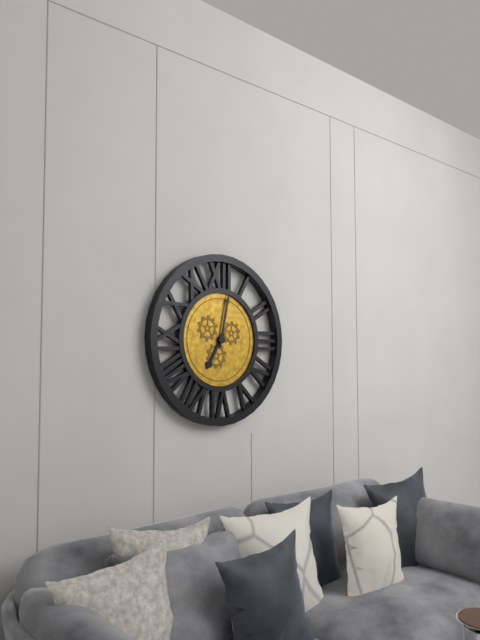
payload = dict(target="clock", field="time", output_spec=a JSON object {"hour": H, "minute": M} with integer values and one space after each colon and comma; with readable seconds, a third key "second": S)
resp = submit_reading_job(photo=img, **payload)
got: {"hour": 7, "minute": 2}
